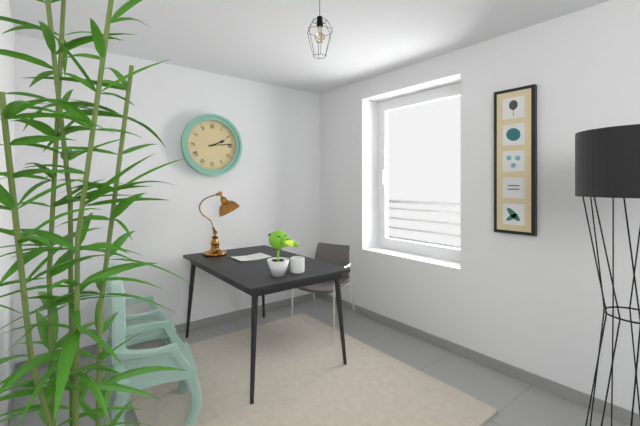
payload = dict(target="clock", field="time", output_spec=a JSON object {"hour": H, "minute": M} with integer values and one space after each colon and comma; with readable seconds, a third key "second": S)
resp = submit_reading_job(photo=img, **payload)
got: {"hour": 2, "minute": 14}
